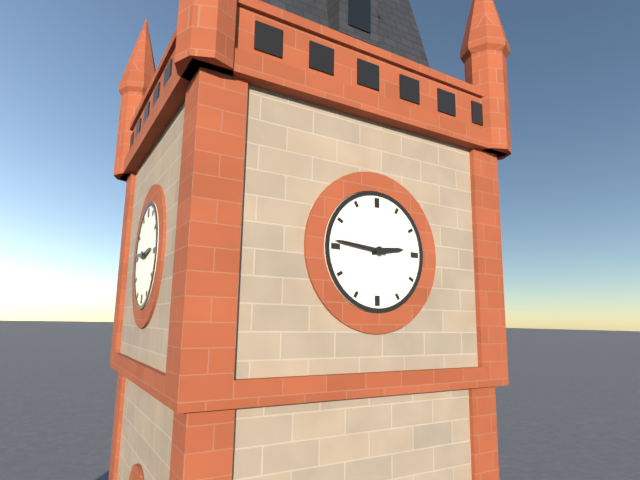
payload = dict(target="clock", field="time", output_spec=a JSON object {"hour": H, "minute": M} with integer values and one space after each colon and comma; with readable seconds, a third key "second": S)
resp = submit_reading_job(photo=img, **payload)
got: {"hour": 2, "minute": 46}
